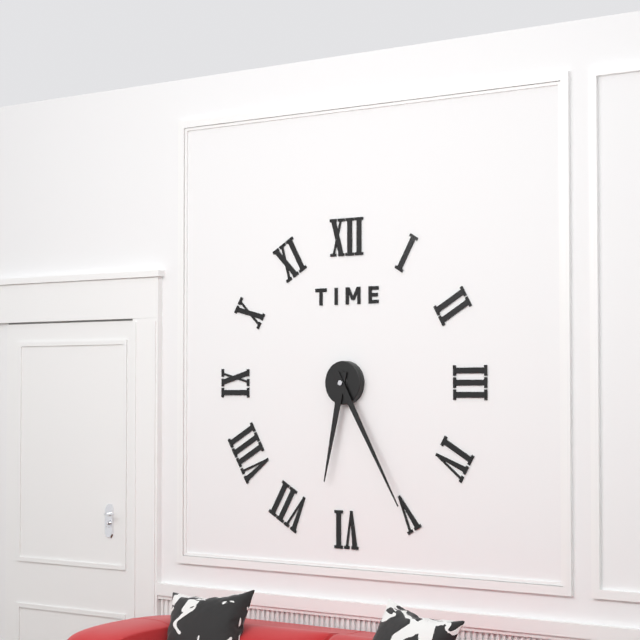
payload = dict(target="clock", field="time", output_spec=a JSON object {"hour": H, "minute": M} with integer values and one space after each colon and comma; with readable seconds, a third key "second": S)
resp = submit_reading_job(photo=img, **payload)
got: {"hour": 6, "minute": 25}
